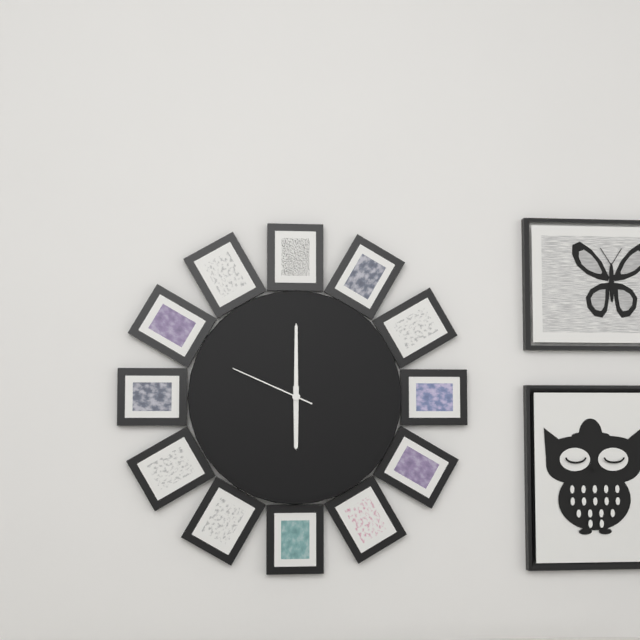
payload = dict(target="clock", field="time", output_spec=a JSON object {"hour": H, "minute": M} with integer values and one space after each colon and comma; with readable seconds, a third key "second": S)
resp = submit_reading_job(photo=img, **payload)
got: {"hour": 6, "minute": 0, "second": 49}
